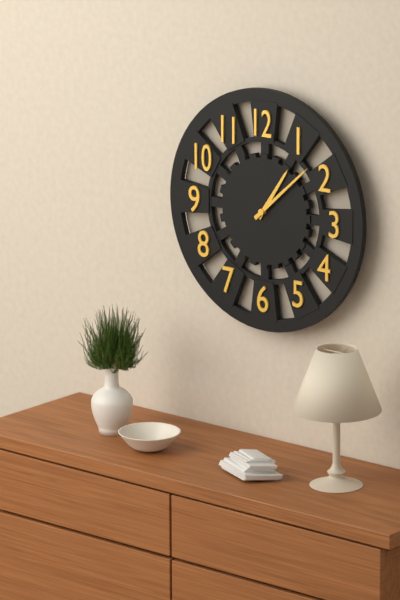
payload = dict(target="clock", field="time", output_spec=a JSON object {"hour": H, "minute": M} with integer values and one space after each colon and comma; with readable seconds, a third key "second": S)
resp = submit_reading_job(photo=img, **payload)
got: {"hour": 1, "minute": 8}
